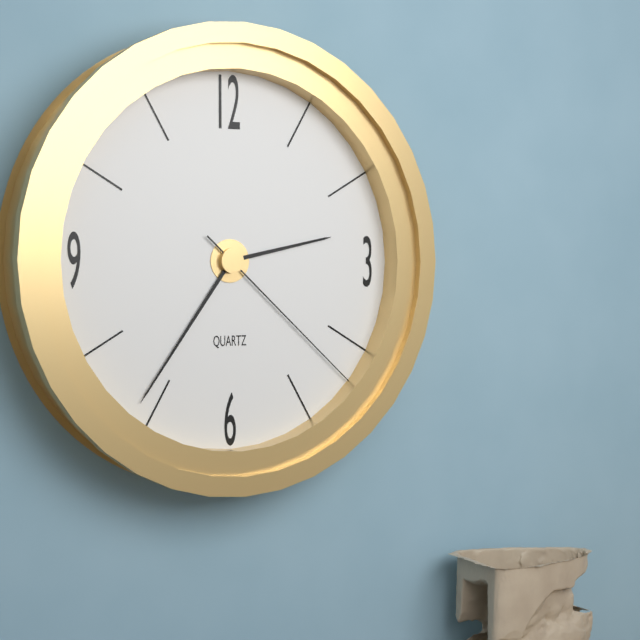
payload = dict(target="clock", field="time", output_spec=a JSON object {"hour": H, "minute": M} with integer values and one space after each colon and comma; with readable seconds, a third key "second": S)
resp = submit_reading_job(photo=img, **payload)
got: {"hour": 2, "minute": 36, "second": 22}
